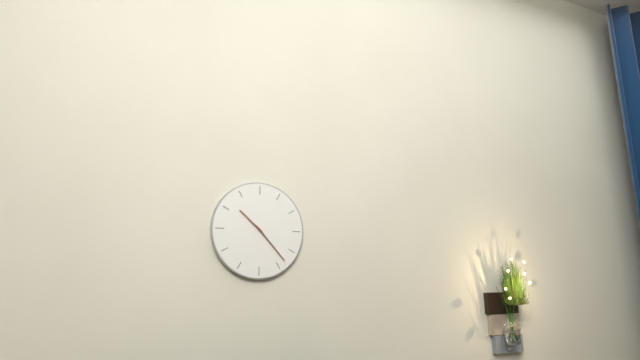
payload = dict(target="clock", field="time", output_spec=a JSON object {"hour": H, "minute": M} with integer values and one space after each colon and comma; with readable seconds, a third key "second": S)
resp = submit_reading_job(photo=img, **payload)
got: {"hour": 10, "minute": 23}
